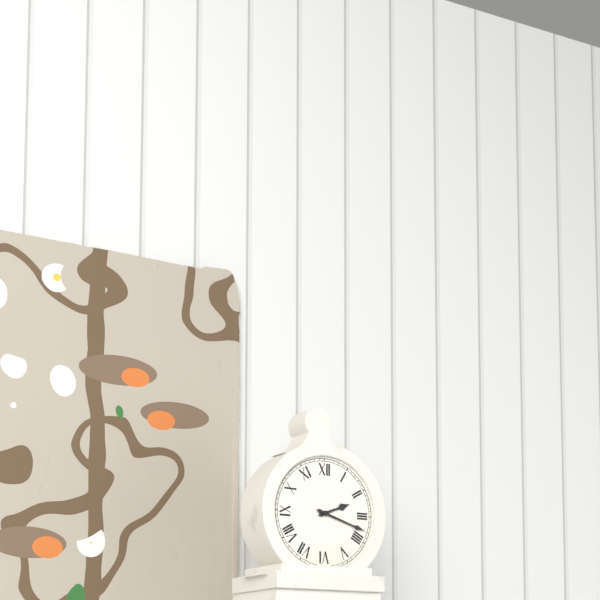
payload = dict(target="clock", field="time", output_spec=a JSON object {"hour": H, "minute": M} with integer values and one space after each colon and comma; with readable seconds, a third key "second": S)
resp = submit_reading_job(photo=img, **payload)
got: {"hour": 2, "minute": 18}
